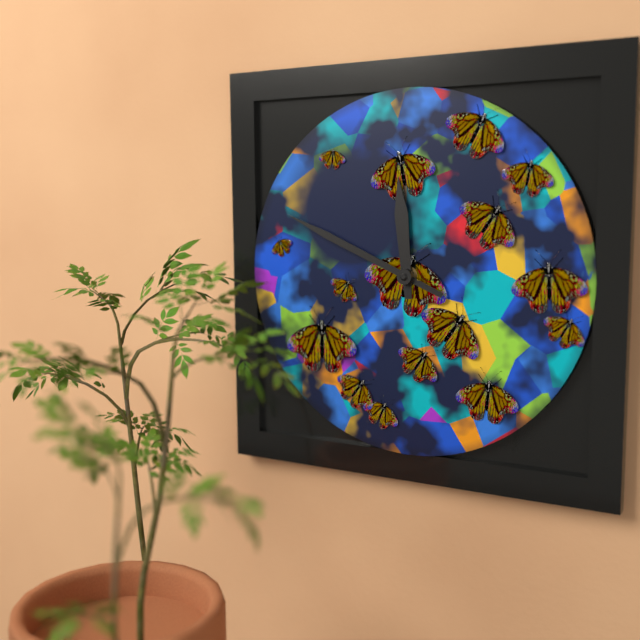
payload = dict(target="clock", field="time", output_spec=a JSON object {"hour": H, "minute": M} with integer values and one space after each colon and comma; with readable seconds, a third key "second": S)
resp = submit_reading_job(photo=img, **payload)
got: {"hour": 11, "minute": 49}
